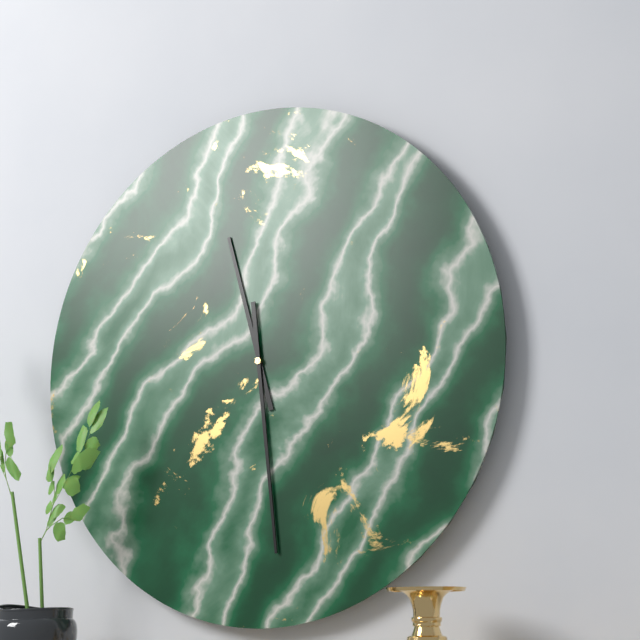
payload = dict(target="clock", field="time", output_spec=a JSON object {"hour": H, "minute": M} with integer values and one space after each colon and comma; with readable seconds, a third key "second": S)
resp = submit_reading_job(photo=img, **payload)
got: {"hour": 11, "minute": 29}
